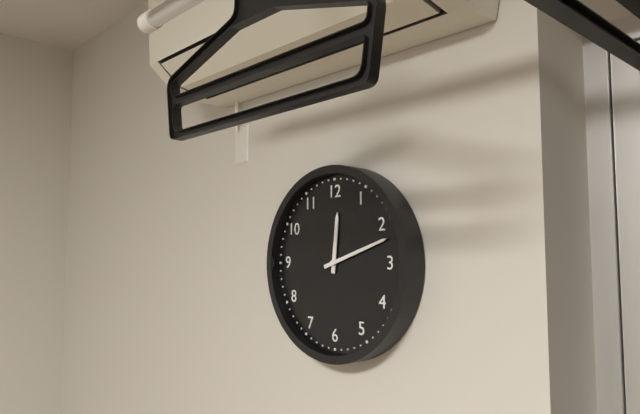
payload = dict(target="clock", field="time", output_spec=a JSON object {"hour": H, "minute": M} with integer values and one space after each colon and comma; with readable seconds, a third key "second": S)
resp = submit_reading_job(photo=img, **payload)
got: {"hour": 12, "minute": 12}
